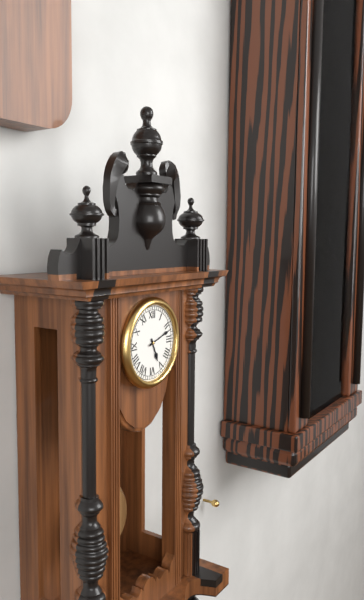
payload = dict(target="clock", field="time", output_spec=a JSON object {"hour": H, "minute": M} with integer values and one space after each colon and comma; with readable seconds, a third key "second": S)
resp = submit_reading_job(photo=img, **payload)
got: {"hour": 5, "minute": 12}
